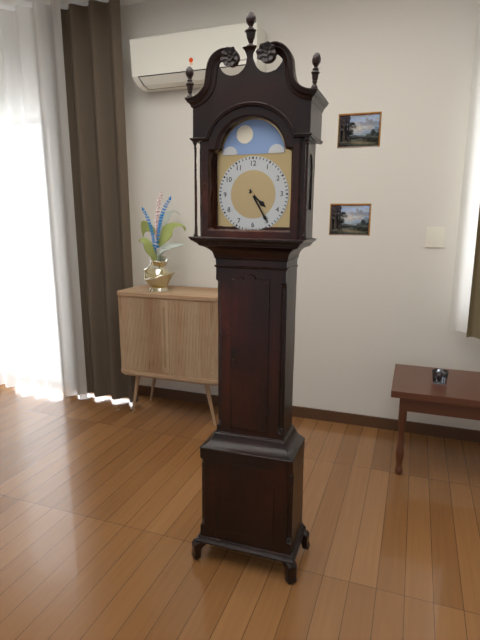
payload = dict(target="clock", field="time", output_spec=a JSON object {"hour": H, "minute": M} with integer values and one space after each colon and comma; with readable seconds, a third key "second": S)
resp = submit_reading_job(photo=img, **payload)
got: {"hour": 4, "minute": 25}
